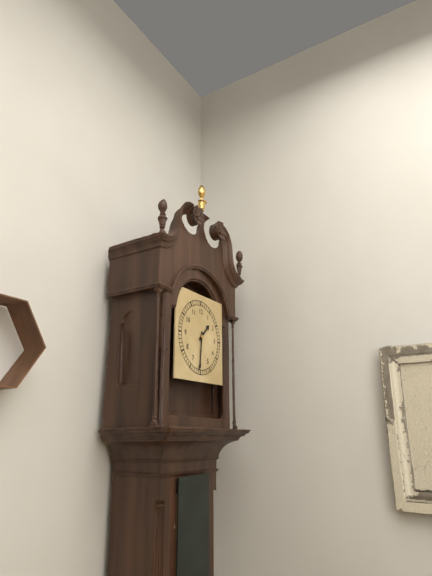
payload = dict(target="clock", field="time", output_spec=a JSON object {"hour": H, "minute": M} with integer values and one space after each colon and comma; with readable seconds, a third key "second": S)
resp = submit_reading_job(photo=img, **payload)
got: {"hour": 1, "minute": 31}
